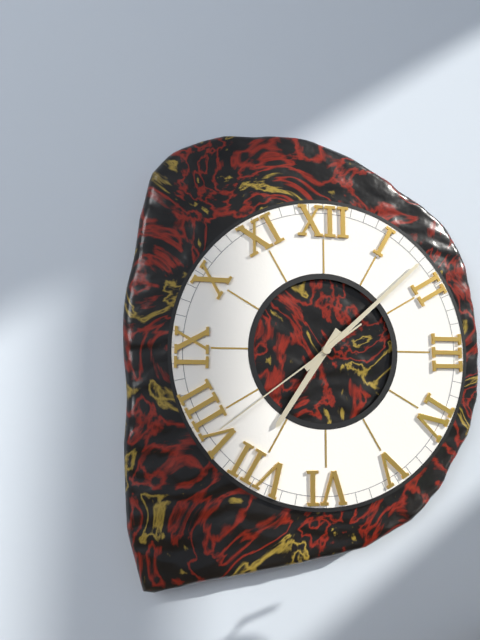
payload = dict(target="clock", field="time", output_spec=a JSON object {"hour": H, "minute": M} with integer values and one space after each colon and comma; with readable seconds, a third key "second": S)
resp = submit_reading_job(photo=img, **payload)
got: {"hour": 7, "minute": 8, "second": 39}
